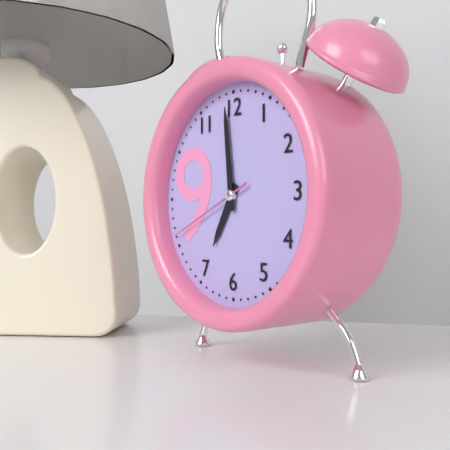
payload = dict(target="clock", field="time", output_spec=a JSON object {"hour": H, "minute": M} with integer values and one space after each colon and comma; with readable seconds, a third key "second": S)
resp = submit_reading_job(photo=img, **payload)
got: {"hour": 6, "minute": 59, "second": 41}
